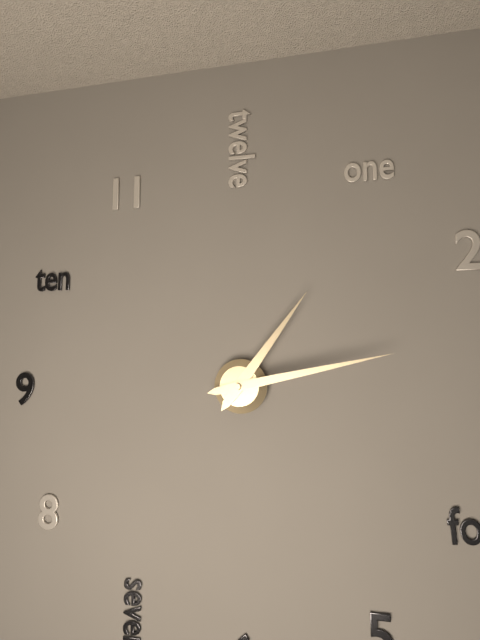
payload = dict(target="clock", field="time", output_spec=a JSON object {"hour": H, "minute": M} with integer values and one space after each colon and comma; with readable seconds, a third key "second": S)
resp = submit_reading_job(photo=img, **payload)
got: {"hour": 1, "minute": 13}
